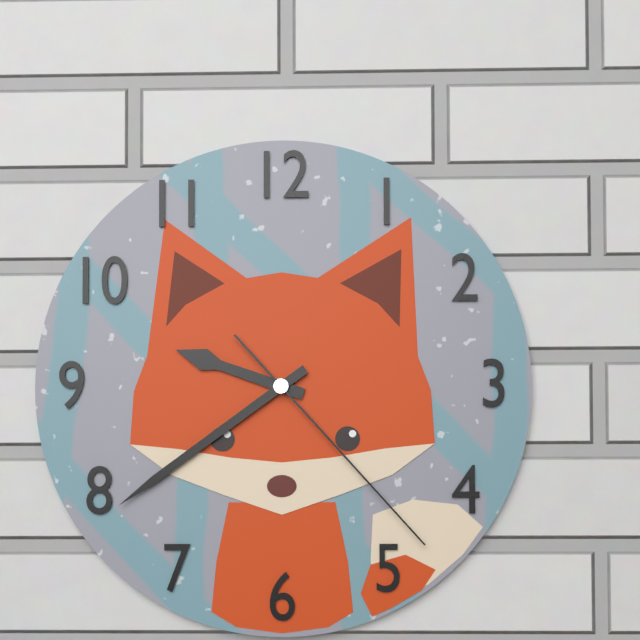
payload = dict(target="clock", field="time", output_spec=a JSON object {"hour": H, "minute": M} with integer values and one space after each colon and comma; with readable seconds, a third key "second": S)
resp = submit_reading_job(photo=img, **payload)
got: {"hour": 9, "minute": 39, "second": 23}
